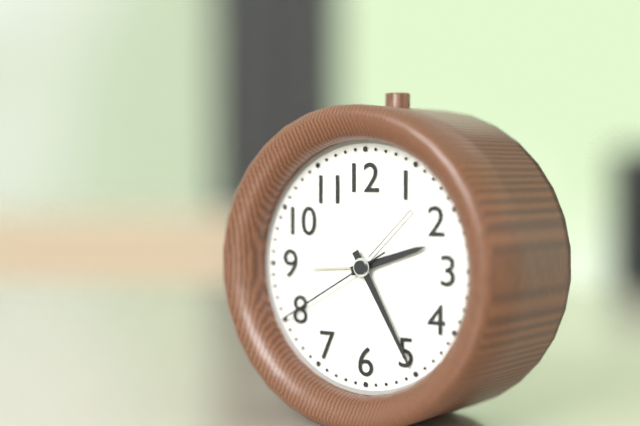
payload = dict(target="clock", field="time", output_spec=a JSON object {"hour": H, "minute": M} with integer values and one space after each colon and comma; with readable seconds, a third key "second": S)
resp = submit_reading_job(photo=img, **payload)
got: {"hour": 2, "minute": 25, "second": 40}
